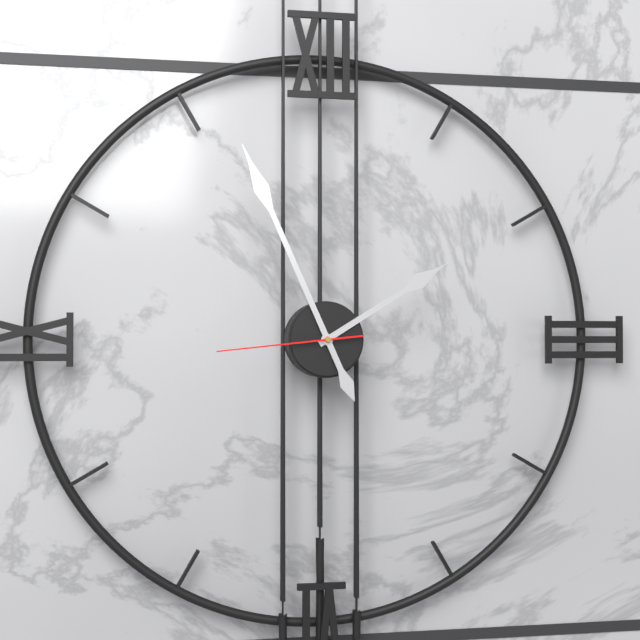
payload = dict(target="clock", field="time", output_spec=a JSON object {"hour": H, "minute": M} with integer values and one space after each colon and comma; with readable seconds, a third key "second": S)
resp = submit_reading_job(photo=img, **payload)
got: {"hour": 1, "minute": 56, "second": 44}
